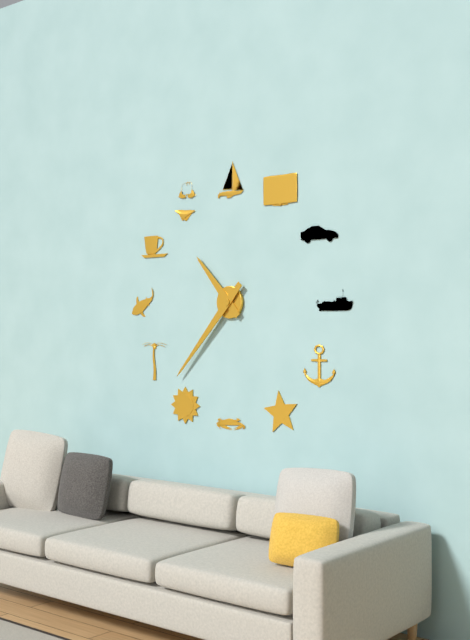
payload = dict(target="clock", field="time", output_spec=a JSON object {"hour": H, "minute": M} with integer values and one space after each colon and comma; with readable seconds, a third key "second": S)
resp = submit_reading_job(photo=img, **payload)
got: {"hour": 10, "minute": 37}
